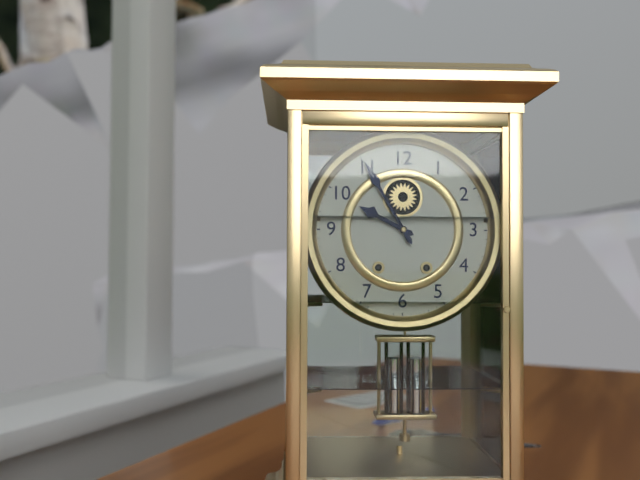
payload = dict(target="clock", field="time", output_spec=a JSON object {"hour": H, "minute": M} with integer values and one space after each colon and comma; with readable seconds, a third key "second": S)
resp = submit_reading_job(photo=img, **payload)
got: {"hour": 9, "minute": 55}
